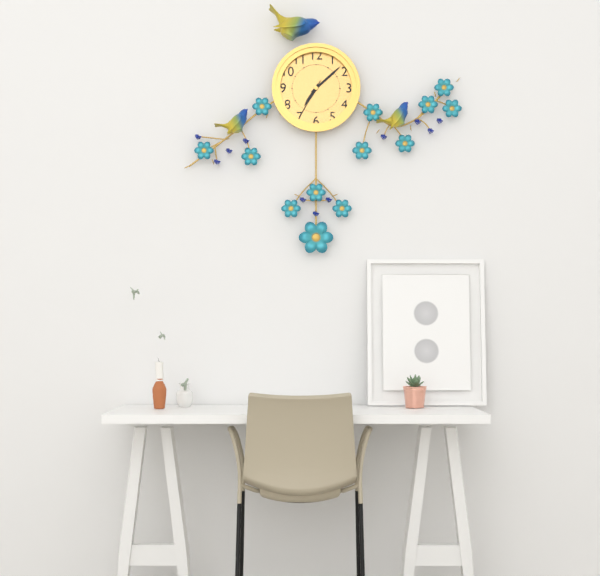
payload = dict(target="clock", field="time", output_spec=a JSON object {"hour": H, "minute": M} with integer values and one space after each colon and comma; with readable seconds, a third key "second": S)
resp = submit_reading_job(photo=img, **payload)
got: {"hour": 7, "minute": 8}
